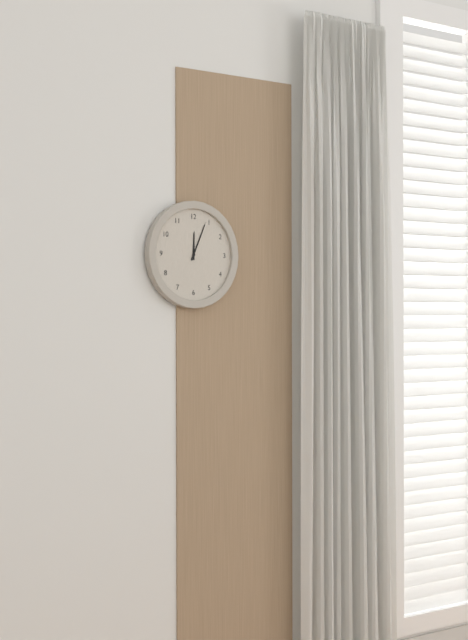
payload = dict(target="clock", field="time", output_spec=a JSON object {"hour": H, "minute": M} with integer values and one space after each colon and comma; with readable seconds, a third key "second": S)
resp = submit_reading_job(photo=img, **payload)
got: {"hour": 12, "minute": 4}
